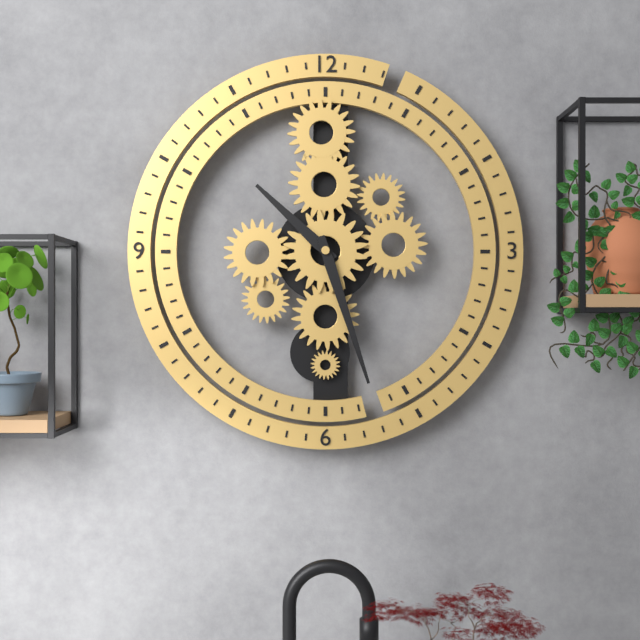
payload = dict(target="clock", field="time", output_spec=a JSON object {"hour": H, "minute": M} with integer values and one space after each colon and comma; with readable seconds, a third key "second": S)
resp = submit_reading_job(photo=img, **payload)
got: {"hour": 10, "minute": 27}
